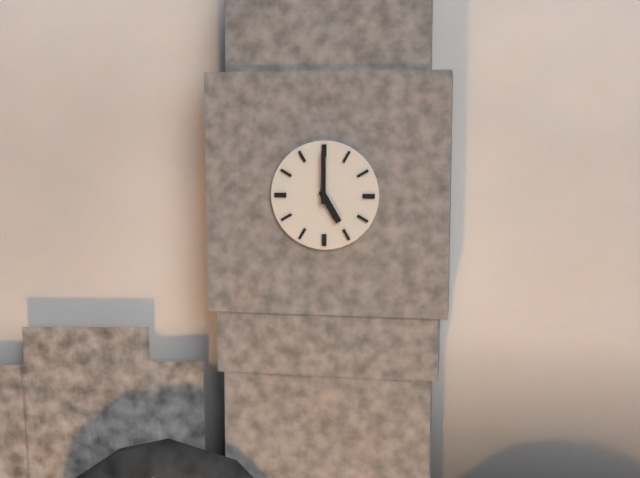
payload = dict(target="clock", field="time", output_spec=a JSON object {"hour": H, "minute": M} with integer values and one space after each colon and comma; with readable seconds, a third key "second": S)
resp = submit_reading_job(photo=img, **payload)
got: {"hour": 5, "minute": 0}
